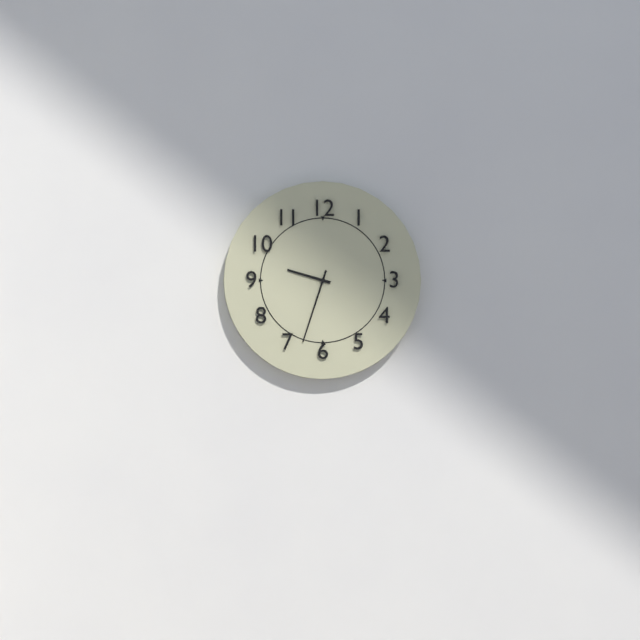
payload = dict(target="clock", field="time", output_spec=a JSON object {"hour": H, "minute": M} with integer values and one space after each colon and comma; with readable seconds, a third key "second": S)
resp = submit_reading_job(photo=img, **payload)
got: {"hour": 9, "minute": 33}
